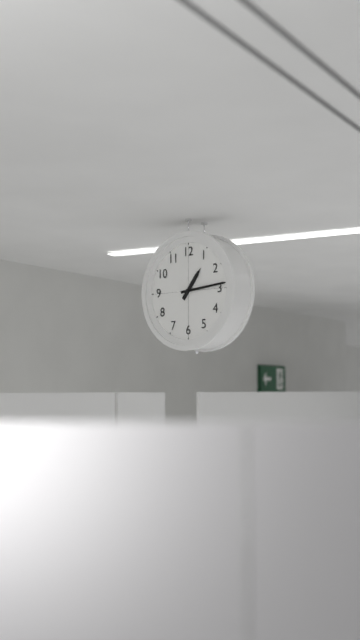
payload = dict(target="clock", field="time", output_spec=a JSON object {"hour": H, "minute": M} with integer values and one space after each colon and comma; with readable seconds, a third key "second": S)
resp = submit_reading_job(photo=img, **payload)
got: {"hour": 1, "minute": 14}
